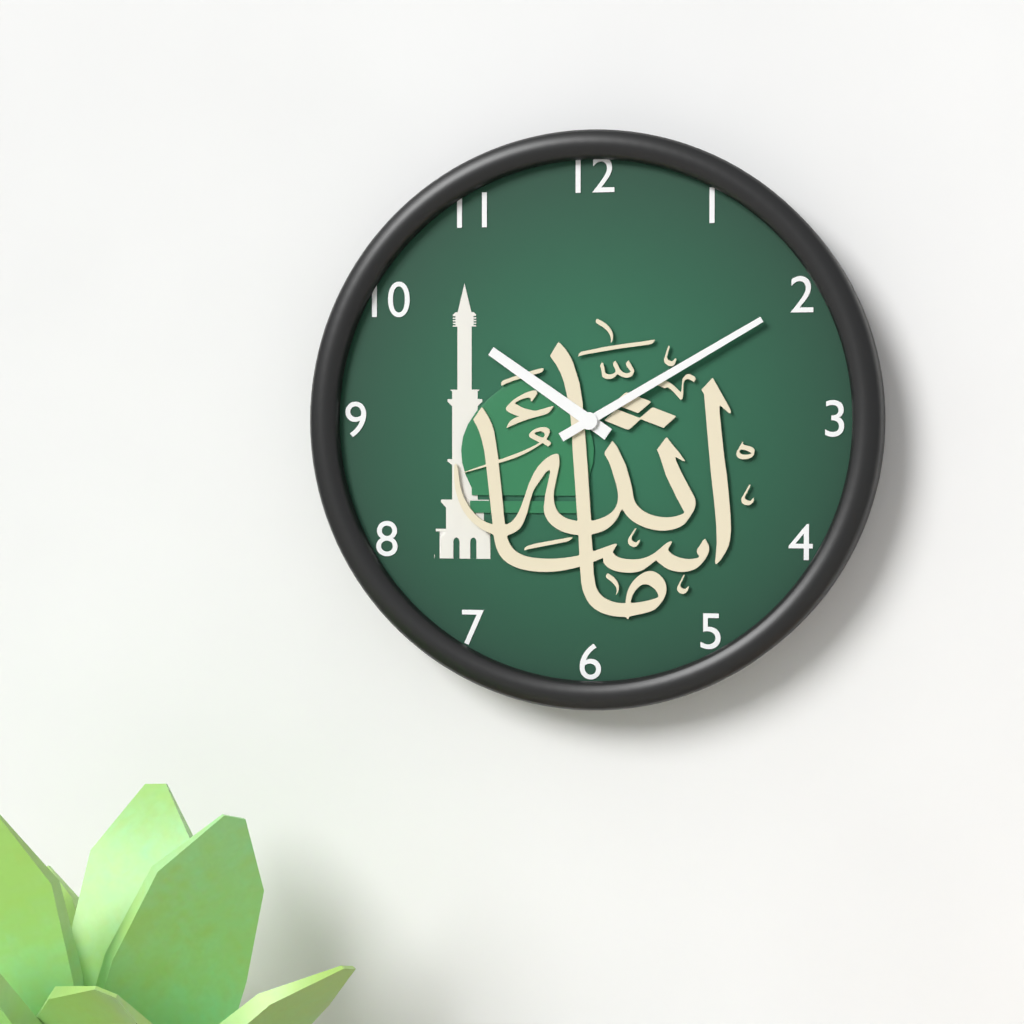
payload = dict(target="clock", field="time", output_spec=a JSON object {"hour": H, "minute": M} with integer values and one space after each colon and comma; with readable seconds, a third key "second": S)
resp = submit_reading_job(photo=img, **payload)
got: {"hour": 10, "minute": 10}
